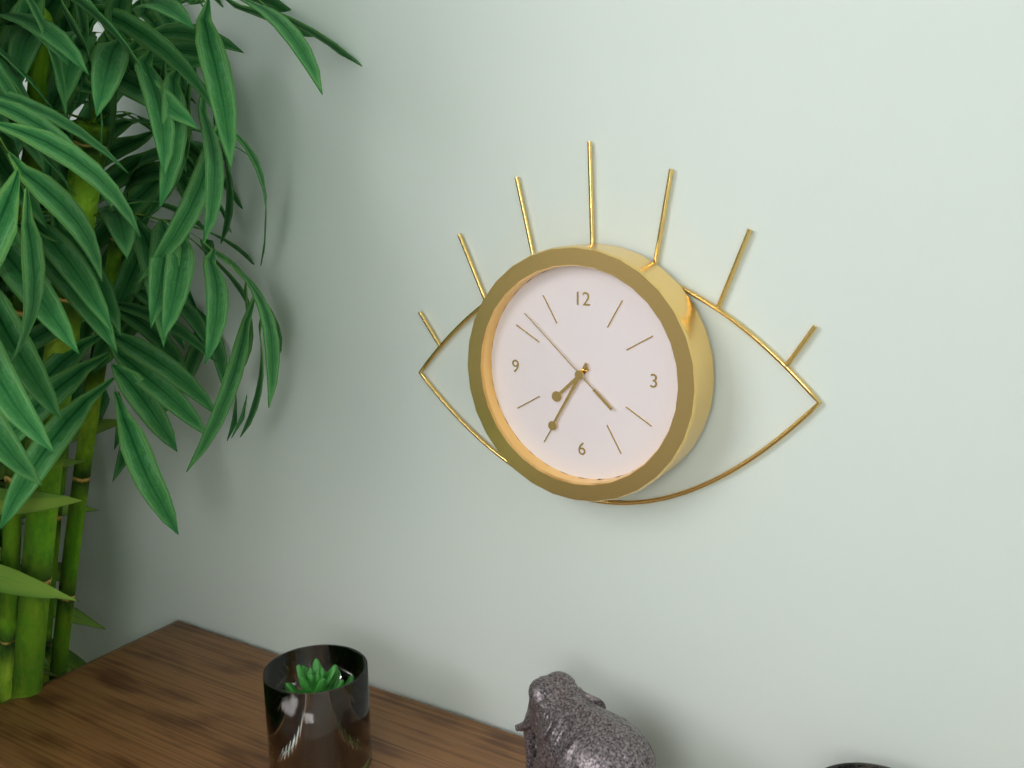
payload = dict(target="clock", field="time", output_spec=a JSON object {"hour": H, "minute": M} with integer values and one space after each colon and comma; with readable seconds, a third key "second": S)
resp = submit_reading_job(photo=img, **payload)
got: {"hour": 7, "minute": 35, "second": 52}
